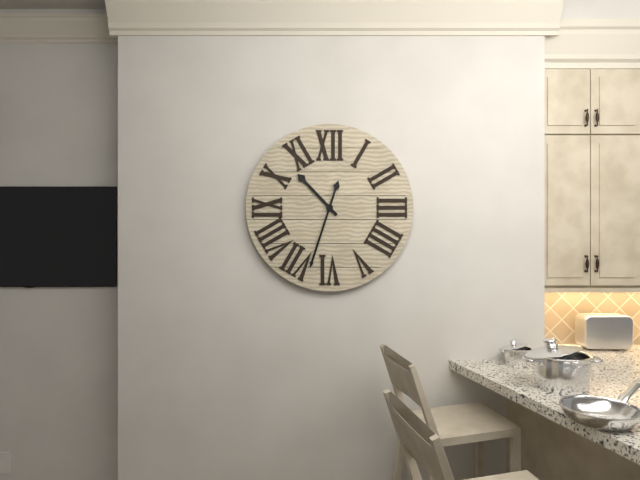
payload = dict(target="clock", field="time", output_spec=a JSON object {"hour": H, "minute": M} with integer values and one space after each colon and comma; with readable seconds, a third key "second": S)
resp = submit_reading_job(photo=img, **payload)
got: {"hour": 10, "minute": 33}
